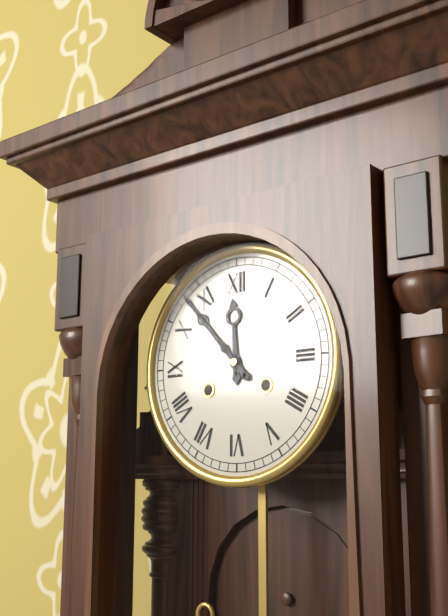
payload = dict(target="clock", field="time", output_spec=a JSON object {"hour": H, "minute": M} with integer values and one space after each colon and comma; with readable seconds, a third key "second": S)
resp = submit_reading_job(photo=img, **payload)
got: {"hour": 11, "minute": 53}
